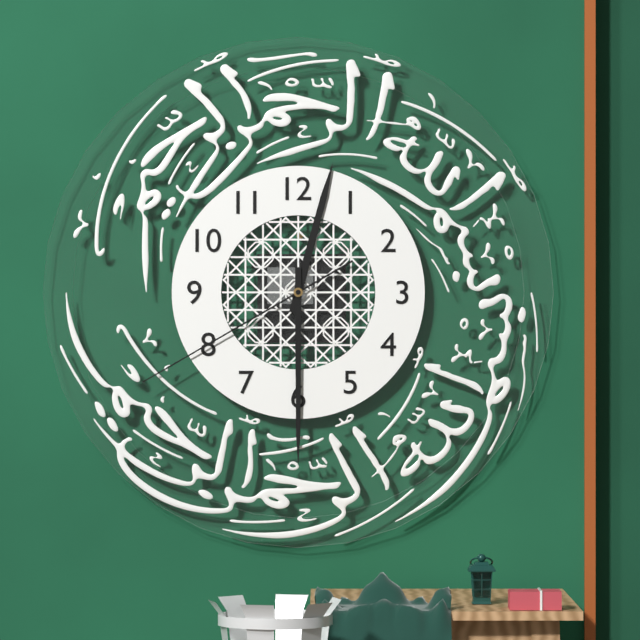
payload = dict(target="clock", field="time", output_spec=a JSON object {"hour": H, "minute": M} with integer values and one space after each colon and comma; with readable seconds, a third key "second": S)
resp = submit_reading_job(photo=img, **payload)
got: {"hour": 12, "minute": 30, "second": 40}
